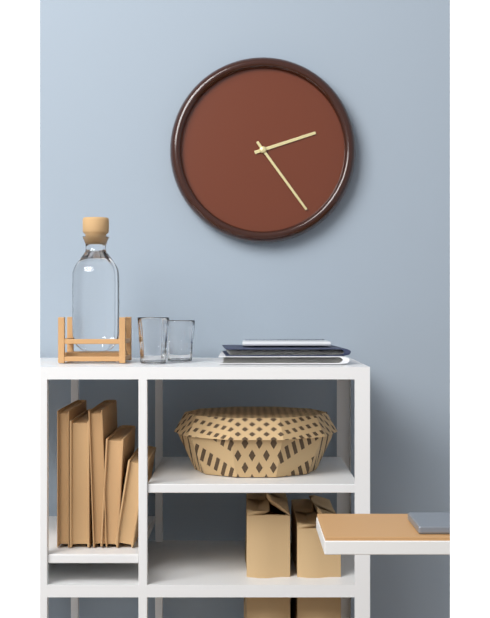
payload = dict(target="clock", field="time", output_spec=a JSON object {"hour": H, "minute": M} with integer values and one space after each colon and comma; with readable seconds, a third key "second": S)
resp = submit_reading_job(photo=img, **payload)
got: {"hour": 2, "minute": 24}
